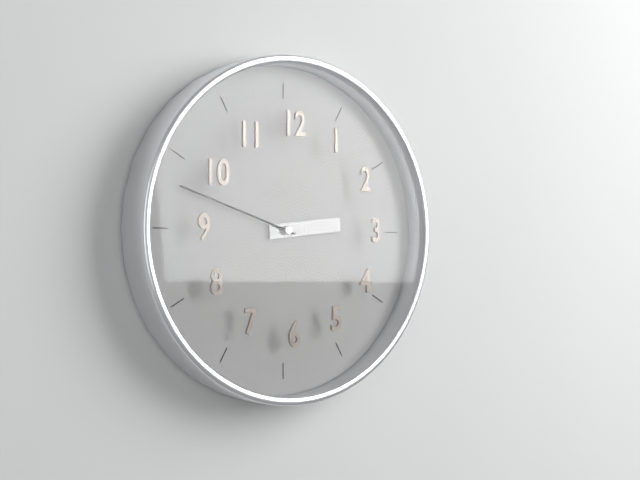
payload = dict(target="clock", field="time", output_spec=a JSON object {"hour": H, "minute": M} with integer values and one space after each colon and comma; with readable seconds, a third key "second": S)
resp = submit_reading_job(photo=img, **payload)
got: {"hour": 2, "minute": 48}
